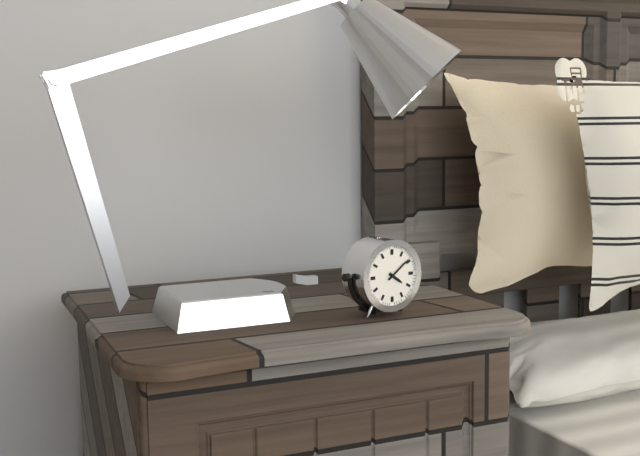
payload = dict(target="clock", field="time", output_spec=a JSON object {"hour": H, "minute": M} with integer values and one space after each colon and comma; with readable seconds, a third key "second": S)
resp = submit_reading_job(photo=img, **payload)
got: {"hour": 4, "minute": 9}
